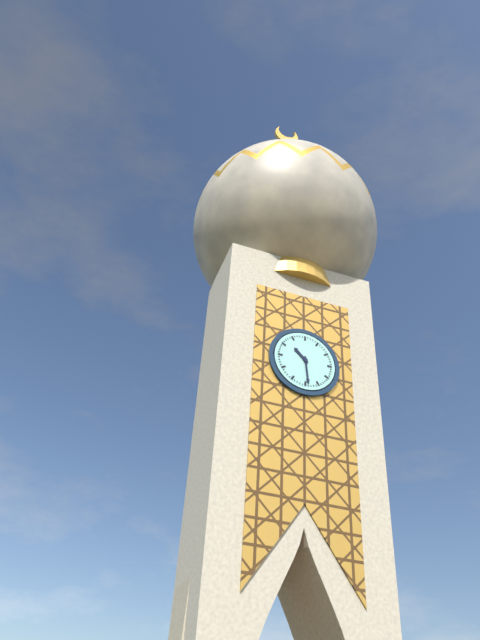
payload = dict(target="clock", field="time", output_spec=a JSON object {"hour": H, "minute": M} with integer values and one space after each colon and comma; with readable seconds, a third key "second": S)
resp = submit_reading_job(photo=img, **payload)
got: {"hour": 10, "minute": 29}
